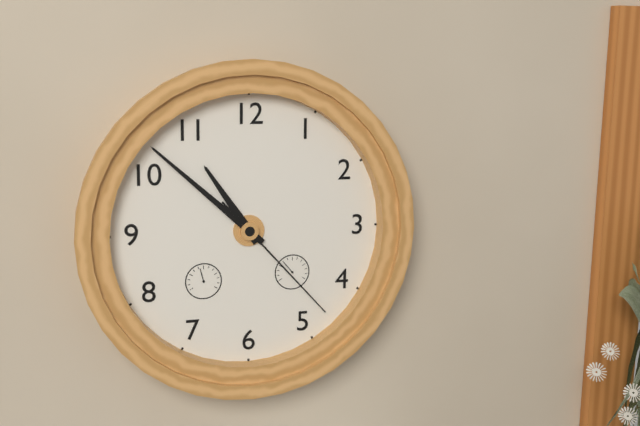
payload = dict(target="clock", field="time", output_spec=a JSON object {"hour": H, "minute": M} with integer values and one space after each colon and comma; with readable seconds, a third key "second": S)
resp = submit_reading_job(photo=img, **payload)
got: {"hour": 10, "minute": 52, "second": 23}
